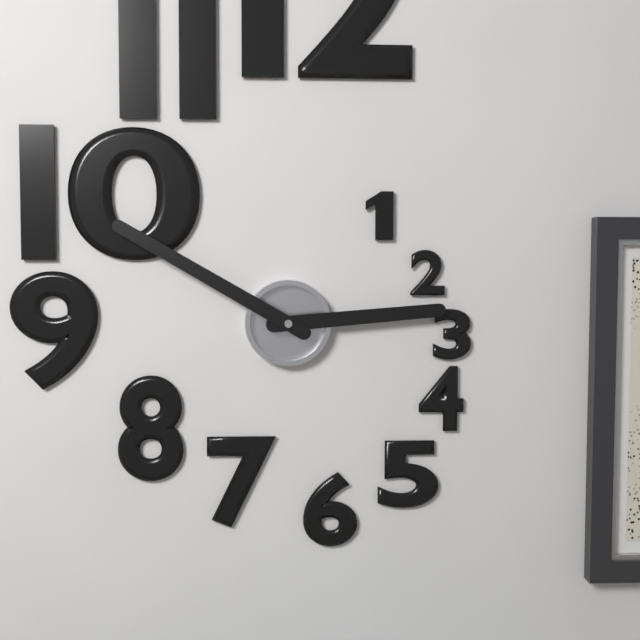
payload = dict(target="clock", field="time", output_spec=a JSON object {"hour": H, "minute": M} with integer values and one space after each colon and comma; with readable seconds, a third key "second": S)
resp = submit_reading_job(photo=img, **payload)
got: {"hour": 2, "minute": 50}
